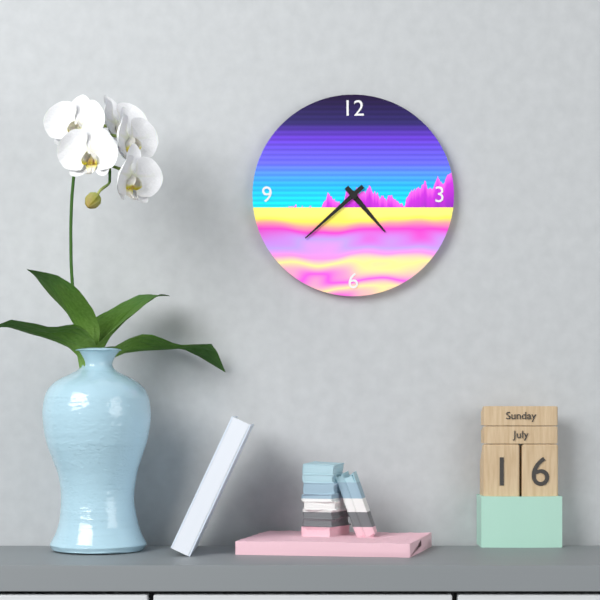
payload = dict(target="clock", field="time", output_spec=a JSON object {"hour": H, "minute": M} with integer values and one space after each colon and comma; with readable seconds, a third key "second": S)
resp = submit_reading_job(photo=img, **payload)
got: {"hour": 4, "minute": 38}
